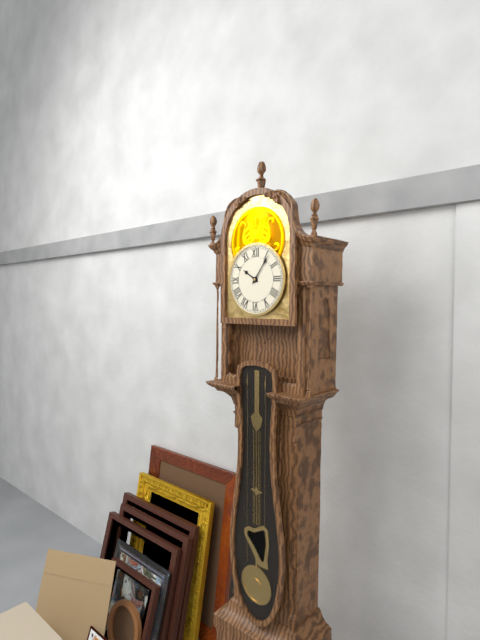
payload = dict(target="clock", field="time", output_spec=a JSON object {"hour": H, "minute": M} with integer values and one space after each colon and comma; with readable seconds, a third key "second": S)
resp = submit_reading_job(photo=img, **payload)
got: {"hour": 10, "minute": 6}
